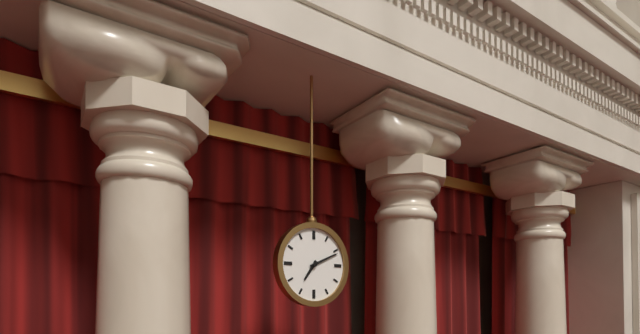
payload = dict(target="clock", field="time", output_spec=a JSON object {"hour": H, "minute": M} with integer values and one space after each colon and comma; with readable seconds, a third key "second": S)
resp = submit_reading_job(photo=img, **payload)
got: {"hour": 7, "minute": 11}
